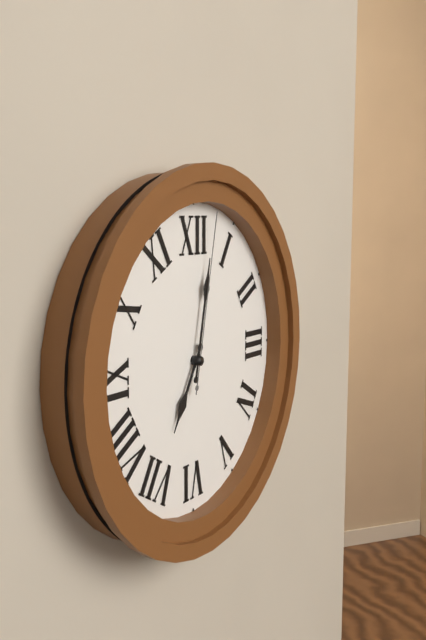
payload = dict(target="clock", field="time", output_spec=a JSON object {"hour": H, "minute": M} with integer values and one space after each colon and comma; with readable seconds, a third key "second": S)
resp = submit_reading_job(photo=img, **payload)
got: {"hour": 7, "minute": 2, "second": 2}
